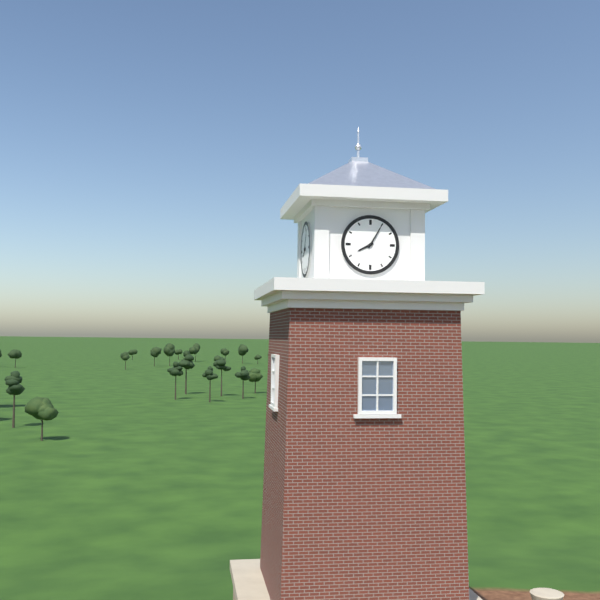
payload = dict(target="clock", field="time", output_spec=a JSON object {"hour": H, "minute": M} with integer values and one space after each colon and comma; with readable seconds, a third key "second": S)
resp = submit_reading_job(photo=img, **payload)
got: {"hour": 8, "minute": 5}
